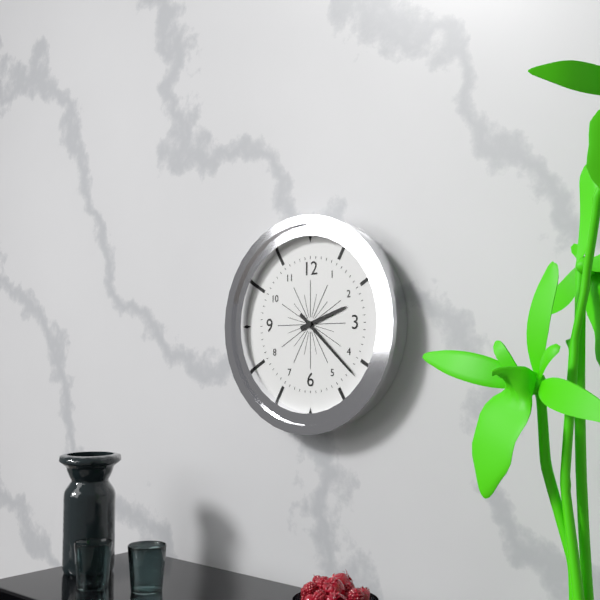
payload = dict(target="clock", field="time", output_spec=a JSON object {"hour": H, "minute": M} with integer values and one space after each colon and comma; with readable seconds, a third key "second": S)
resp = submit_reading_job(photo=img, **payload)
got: {"hour": 2, "minute": 22}
